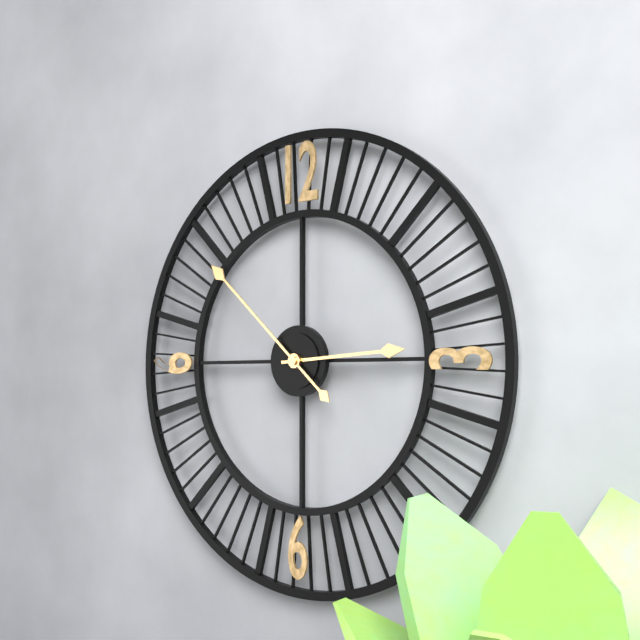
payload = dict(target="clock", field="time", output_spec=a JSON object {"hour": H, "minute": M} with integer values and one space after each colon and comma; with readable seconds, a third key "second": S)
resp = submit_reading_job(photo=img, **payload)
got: {"hour": 2, "minute": 52}
